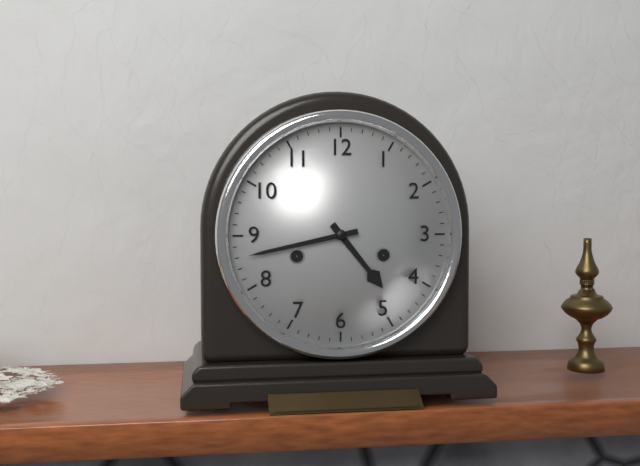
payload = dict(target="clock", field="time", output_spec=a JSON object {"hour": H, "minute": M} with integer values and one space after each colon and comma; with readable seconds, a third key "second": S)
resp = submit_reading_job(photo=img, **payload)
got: {"hour": 4, "minute": 43}
